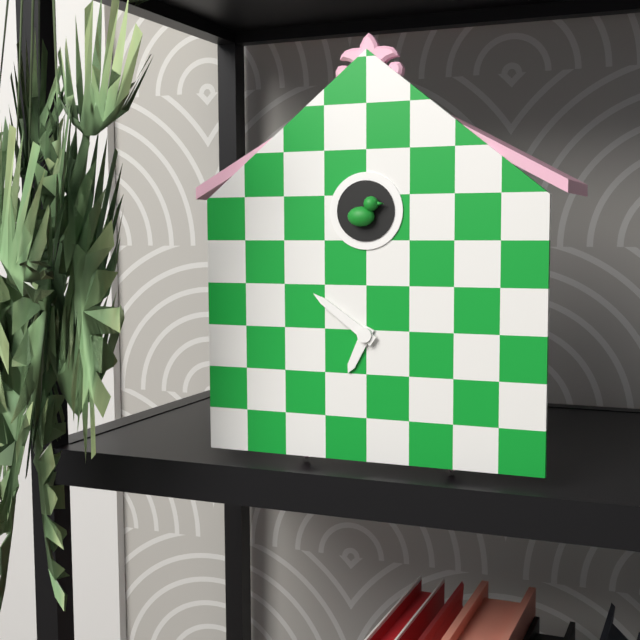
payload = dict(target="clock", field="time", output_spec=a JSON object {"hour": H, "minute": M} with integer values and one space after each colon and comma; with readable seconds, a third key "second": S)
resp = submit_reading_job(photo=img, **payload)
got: {"hour": 6, "minute": 51}
